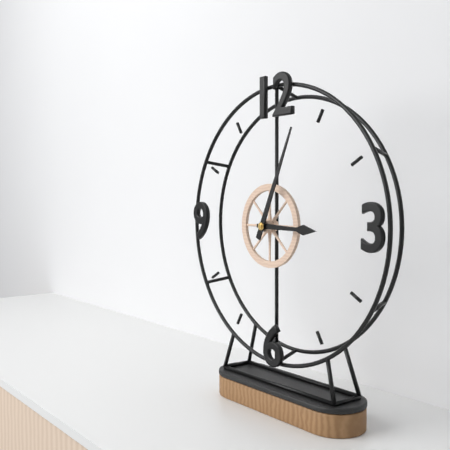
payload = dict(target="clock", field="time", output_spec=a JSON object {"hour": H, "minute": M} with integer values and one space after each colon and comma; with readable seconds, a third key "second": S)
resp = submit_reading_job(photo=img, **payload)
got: {"hour": 3, "minute": 4}
